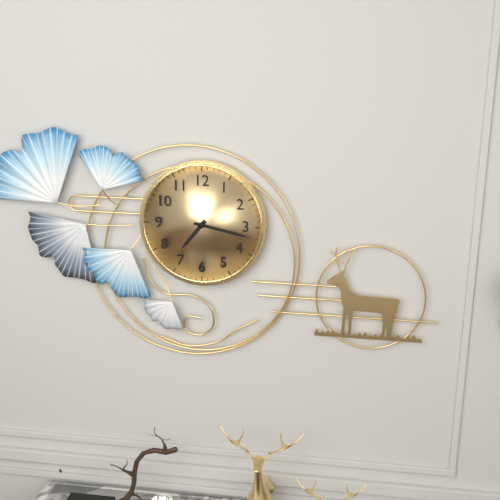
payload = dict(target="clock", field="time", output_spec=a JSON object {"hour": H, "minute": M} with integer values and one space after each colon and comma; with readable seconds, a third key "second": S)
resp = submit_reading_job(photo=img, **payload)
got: {"hour": 7, "minute": 17}
